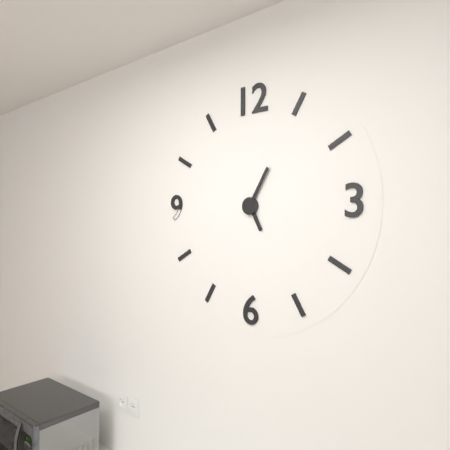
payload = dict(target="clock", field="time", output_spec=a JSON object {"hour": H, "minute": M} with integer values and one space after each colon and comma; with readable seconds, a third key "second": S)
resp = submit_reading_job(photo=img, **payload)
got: {"hour": 5, "minute": 5}
